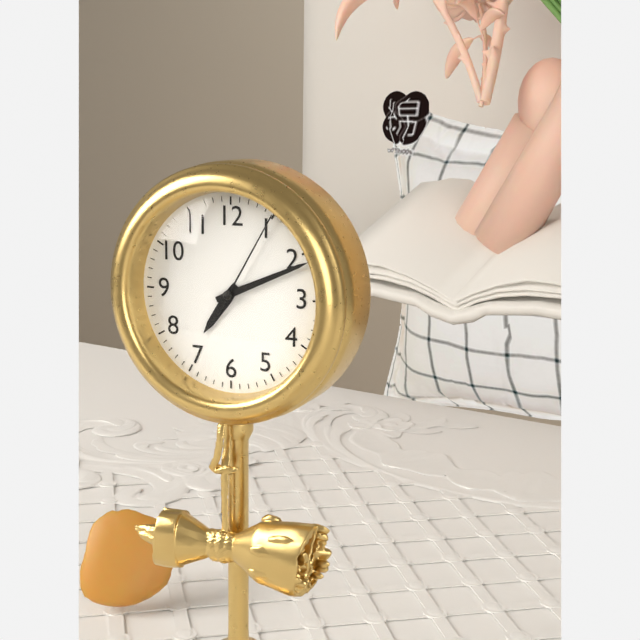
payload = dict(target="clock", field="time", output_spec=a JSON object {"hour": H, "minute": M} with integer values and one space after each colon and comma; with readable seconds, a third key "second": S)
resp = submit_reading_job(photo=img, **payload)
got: {"hour": 7, "minute": 11, "second": 5}
